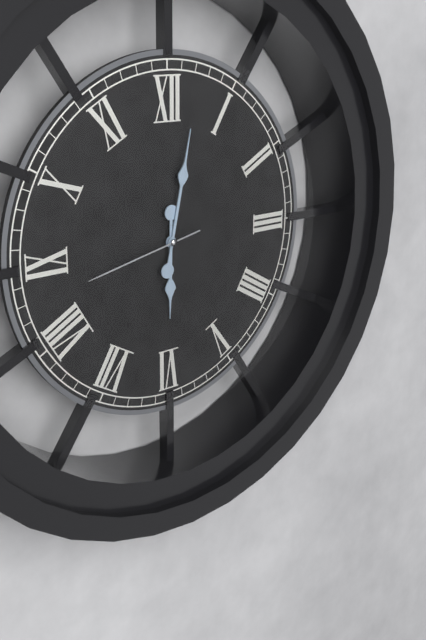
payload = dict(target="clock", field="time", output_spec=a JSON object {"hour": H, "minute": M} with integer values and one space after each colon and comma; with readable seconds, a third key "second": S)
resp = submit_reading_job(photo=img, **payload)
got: {"hour": 6, "minute": 2, "second": 43}
